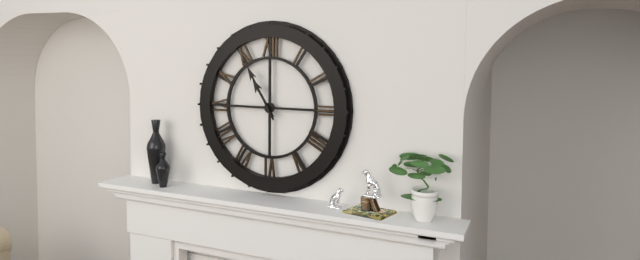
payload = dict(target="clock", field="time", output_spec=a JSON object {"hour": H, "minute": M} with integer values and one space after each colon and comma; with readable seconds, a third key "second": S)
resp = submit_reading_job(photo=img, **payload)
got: {"hour": 10, "minute": 55}
